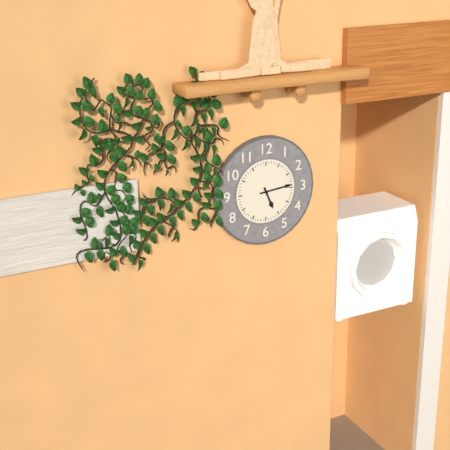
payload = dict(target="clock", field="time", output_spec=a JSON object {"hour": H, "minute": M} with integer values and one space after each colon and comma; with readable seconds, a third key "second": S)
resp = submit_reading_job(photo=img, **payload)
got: {"hour": 5, "minute": 14}
